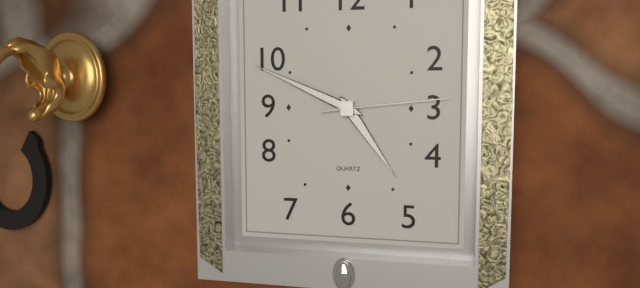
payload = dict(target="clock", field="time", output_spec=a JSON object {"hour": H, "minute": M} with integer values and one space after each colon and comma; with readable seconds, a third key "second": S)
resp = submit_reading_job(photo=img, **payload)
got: {"hour": 4, "minute": 49, "second": 14}
